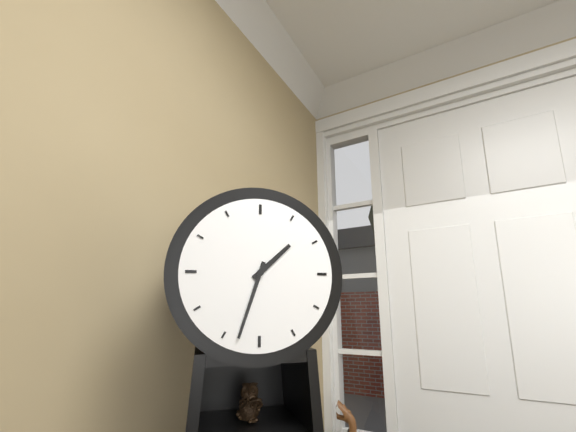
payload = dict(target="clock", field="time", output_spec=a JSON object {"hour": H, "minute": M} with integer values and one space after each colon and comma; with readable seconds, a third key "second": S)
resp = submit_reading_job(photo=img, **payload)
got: {"hour": 1, "minute": 33}
